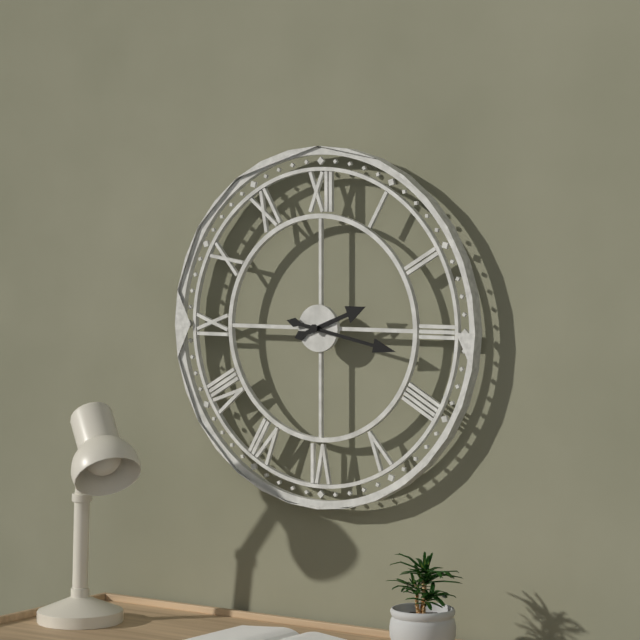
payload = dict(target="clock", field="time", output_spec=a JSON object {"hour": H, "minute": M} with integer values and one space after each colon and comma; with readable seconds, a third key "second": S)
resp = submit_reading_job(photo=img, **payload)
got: {"hour": 2, "minute": 17}
